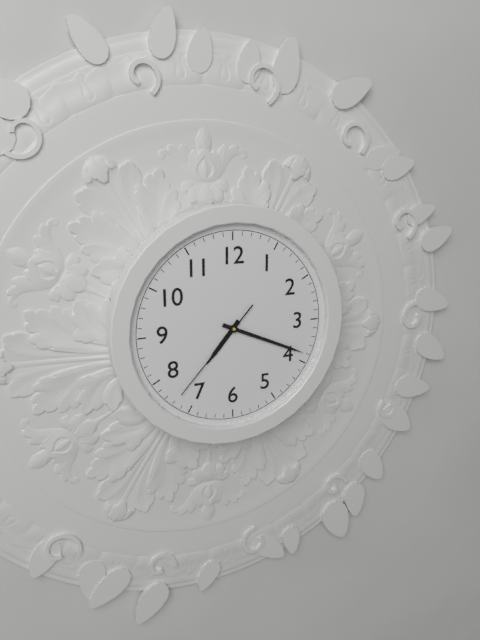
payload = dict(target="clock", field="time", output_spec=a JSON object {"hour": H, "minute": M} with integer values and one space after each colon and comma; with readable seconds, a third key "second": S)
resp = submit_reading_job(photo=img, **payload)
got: {"hour": 7, "minute": 19, "second": 37}
